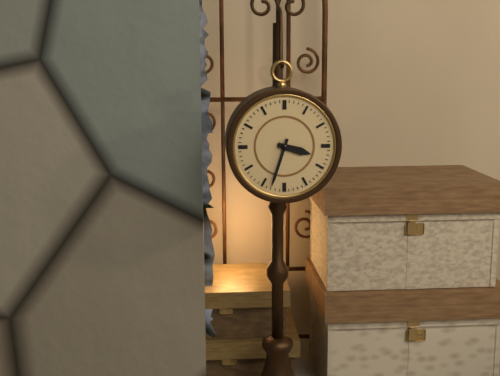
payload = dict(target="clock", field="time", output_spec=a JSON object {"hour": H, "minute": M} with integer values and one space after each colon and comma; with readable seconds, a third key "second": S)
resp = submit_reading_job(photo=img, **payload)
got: {"hour": 3, "minute": 33}
